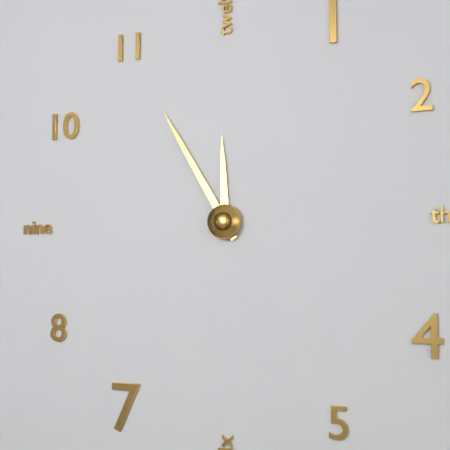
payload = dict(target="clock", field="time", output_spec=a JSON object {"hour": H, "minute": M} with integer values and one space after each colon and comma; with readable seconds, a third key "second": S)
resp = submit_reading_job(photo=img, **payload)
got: {"hour": 11, "minute": 55}
